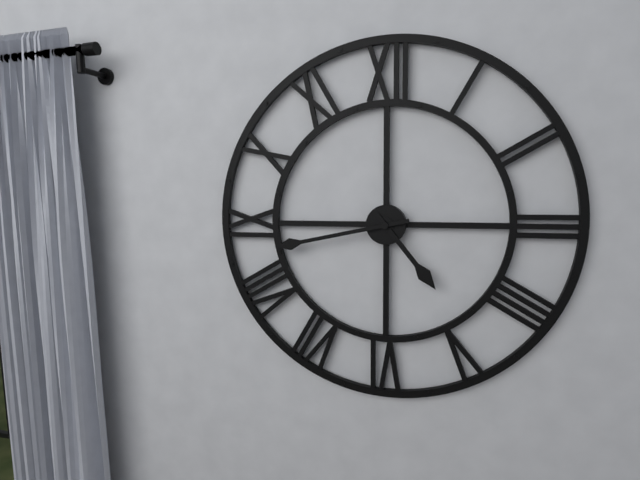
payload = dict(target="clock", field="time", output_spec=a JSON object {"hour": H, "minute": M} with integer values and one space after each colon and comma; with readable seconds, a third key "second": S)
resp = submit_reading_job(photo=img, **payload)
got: {"hour": 4, "minute": 43}
